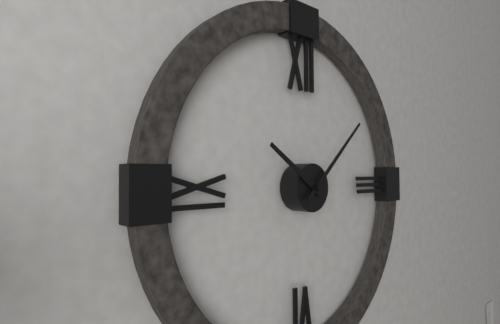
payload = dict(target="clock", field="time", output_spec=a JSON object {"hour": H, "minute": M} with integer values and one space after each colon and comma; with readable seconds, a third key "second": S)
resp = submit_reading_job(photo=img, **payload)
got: {"hour": 10, "minute": 8}
